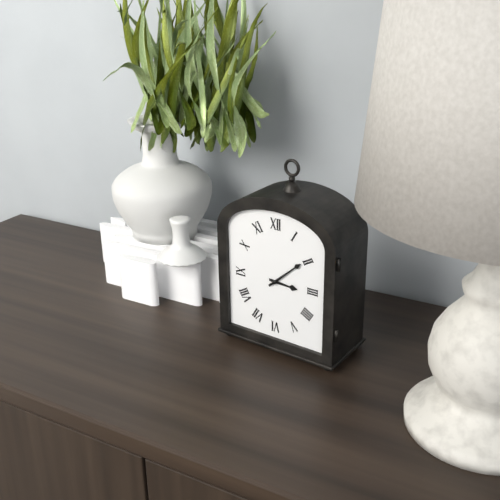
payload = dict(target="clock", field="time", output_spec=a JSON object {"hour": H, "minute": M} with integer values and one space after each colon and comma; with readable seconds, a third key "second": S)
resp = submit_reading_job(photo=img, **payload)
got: {"hour": 3, "minute": 8}
